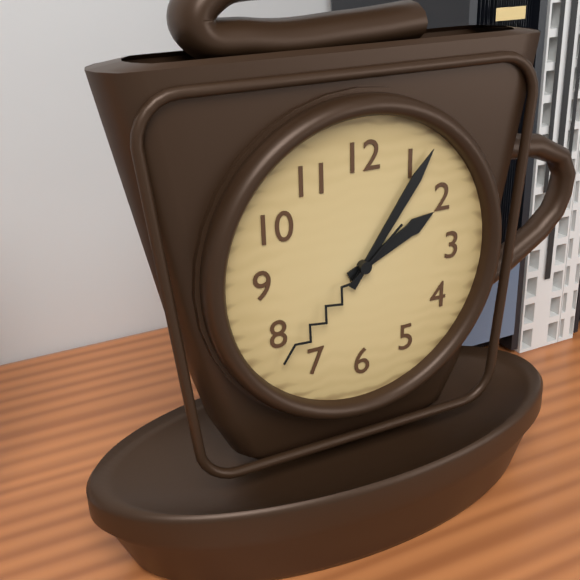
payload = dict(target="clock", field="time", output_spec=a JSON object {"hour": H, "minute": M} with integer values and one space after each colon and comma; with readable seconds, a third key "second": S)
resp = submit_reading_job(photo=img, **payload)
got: {"hour": 2, "minute": 6, "second": 38}
